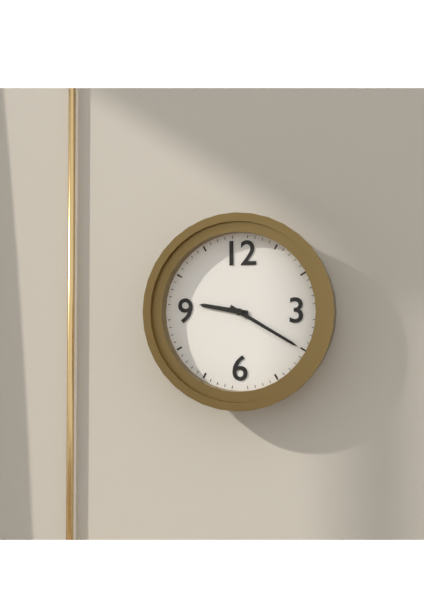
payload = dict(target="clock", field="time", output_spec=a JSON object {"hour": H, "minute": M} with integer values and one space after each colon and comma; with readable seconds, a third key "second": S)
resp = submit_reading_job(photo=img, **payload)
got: {"hour": 9, "minute": 20}
